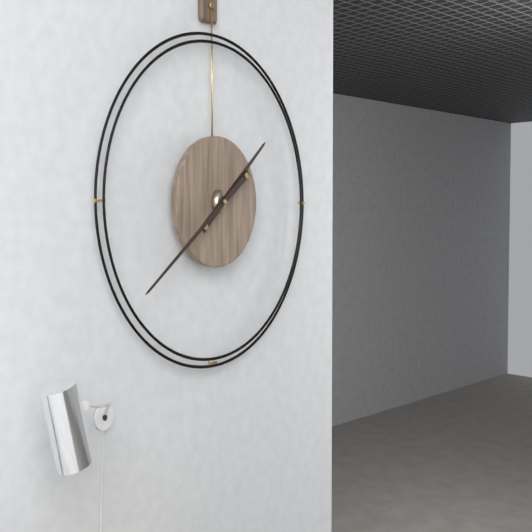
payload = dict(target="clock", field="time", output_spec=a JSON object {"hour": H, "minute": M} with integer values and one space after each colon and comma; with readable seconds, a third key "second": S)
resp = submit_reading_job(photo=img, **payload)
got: {"hour": 1, "minute": 39}
